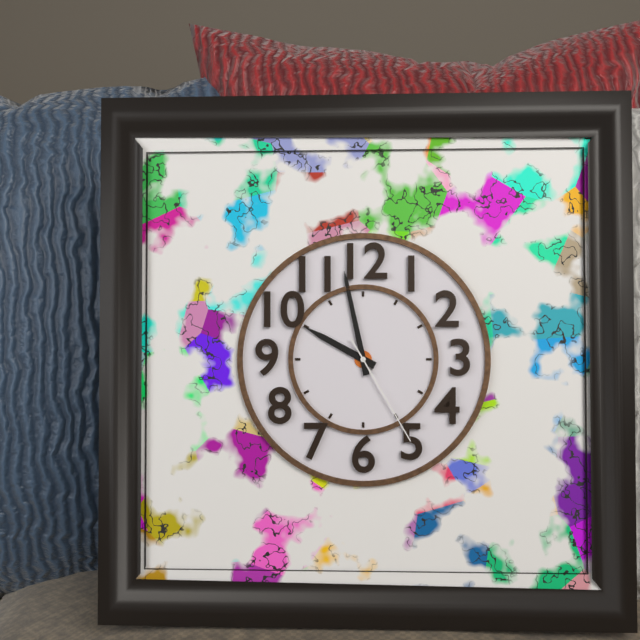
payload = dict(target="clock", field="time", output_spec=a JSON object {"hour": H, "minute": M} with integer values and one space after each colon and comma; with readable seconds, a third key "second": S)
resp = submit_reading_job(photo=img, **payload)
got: {"hour": 9, "minute": 58, "second": 25}
